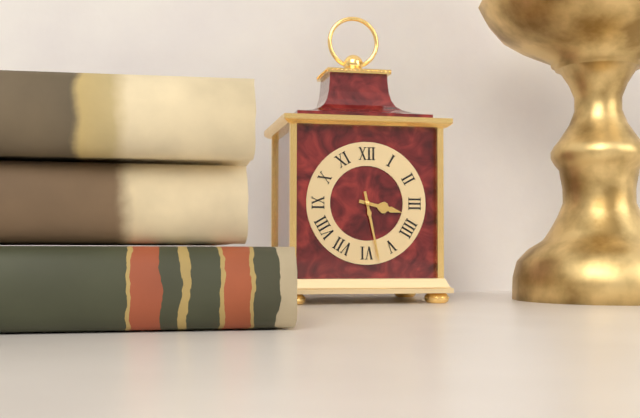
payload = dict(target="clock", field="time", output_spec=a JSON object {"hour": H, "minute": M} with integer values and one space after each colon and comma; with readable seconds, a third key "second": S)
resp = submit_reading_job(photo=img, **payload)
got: {"hour": 3, "minute": 28}
